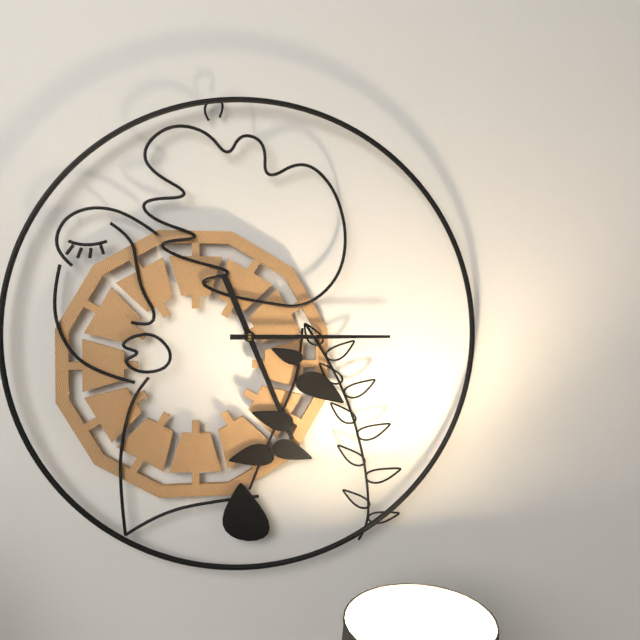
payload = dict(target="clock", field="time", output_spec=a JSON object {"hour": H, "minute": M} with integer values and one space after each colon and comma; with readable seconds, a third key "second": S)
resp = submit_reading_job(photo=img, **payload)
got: {"hour": 5, "minute": 15}
